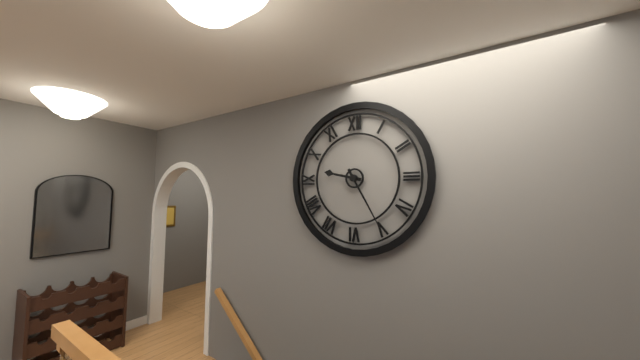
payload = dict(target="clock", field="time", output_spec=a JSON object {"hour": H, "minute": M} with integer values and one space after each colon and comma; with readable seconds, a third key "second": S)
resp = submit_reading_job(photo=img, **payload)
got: {"hour": 9, "minute": 25}
